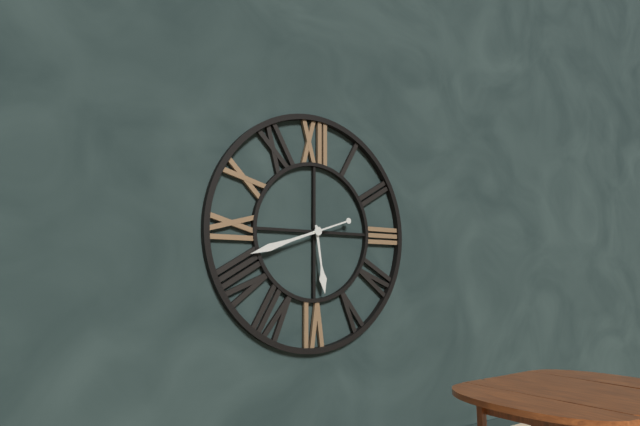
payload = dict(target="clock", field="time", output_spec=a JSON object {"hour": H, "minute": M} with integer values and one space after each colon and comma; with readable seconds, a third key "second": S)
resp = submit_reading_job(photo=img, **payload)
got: {"hour": 5, "minute": 42}
